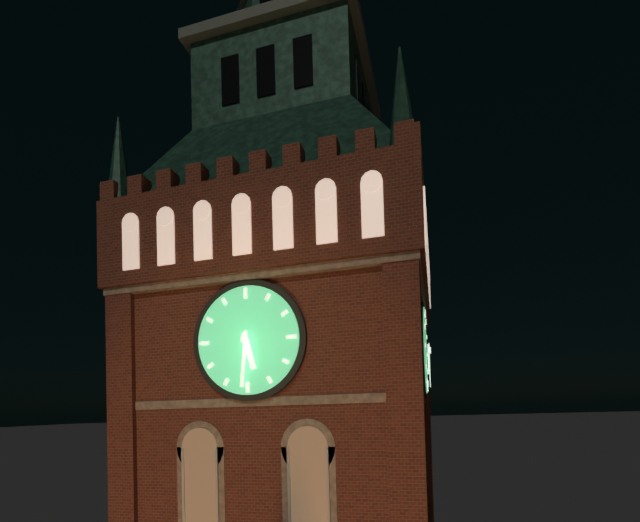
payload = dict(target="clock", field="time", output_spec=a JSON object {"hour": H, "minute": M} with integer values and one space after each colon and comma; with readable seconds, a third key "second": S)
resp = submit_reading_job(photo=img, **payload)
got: {"hour": 5, "minute": 31}
